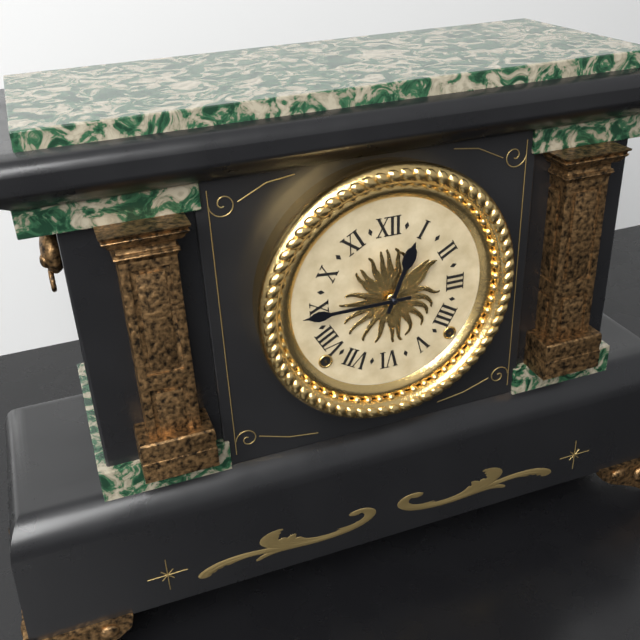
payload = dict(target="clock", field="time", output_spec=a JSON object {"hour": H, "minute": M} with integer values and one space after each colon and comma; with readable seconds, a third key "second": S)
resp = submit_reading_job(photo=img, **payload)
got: {"hour": 12, "minute": 45}
